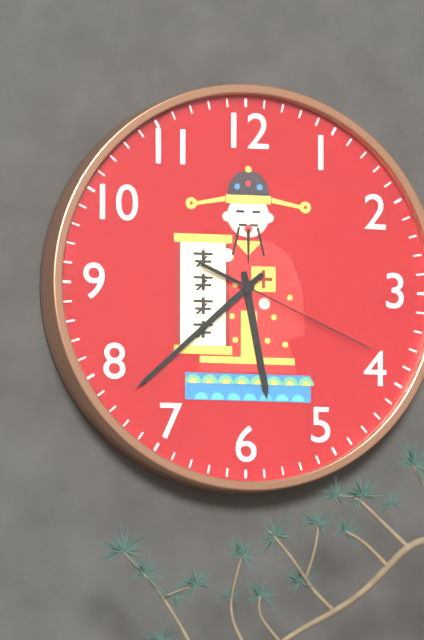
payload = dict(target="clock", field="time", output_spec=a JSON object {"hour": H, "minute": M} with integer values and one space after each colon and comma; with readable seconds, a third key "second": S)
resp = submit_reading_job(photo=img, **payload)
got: {"hour": 5, "minute": 38, "second": 19}
